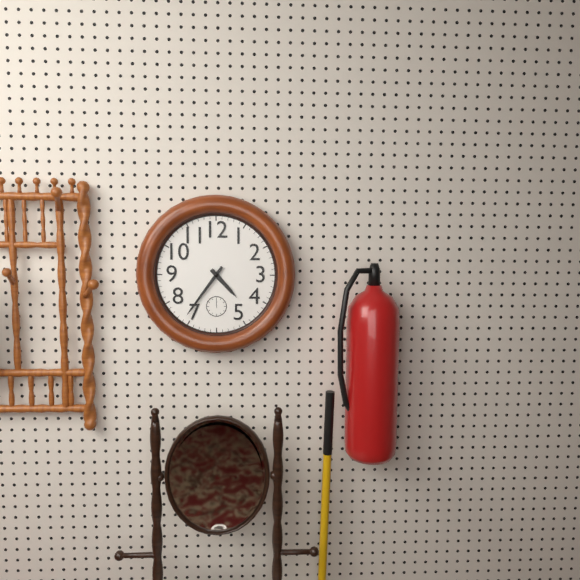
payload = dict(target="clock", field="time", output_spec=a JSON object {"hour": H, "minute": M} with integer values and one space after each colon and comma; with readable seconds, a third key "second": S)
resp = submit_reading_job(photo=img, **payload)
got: {"hour": 4, "minute": 36}
